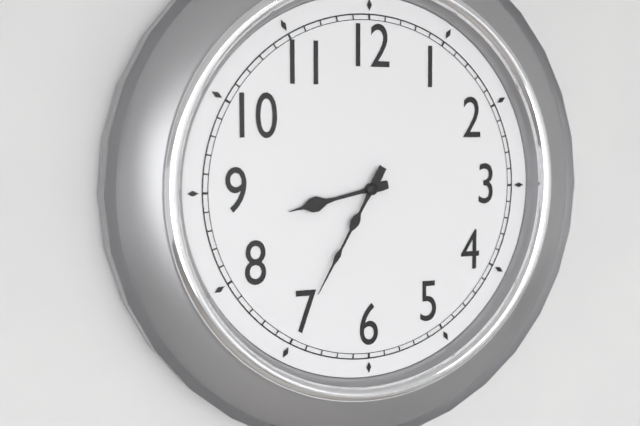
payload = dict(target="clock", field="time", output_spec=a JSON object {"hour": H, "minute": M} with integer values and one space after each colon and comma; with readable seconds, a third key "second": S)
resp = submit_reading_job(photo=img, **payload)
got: {"hour": 8, "minute": 35}
